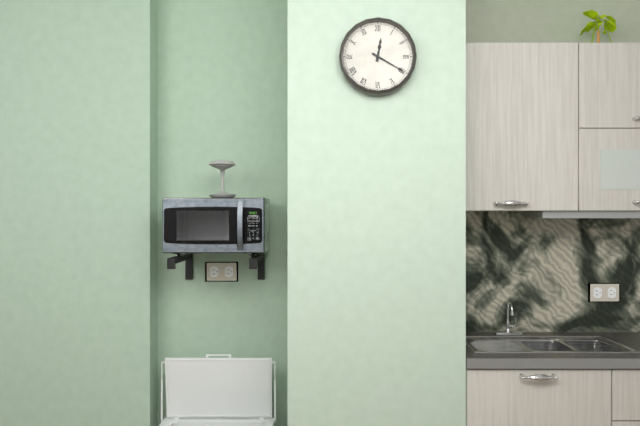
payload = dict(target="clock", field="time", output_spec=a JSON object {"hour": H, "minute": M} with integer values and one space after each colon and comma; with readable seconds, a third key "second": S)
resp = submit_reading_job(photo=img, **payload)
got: {"hour": 12, "minute": 20}
